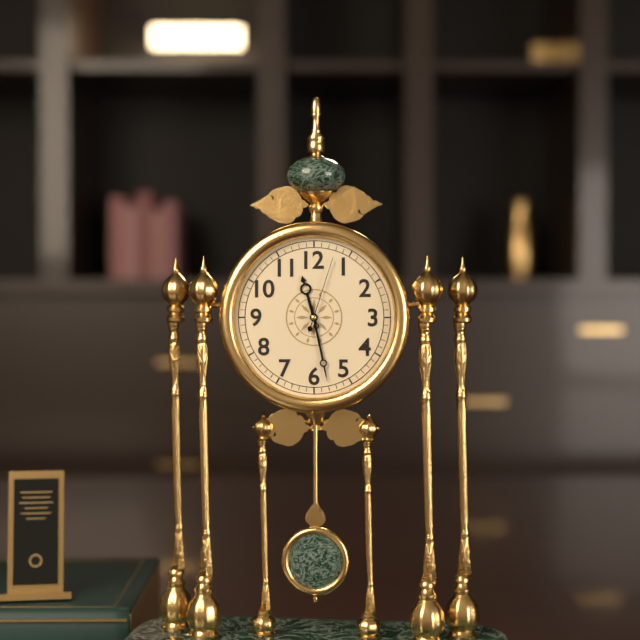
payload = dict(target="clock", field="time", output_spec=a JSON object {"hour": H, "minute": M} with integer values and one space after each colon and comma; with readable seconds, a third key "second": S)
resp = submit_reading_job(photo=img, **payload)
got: {"hour": 11, "minute": 28, "second": 3}
